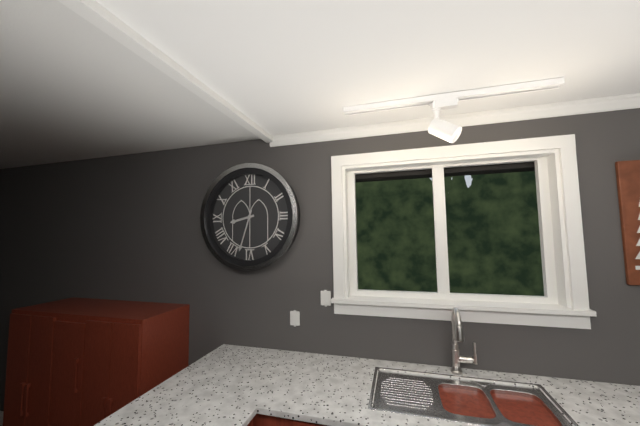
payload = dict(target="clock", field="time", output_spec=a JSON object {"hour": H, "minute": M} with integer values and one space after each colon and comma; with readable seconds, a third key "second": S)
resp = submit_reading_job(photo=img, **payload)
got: {"hour": 8, "minute": 33}
